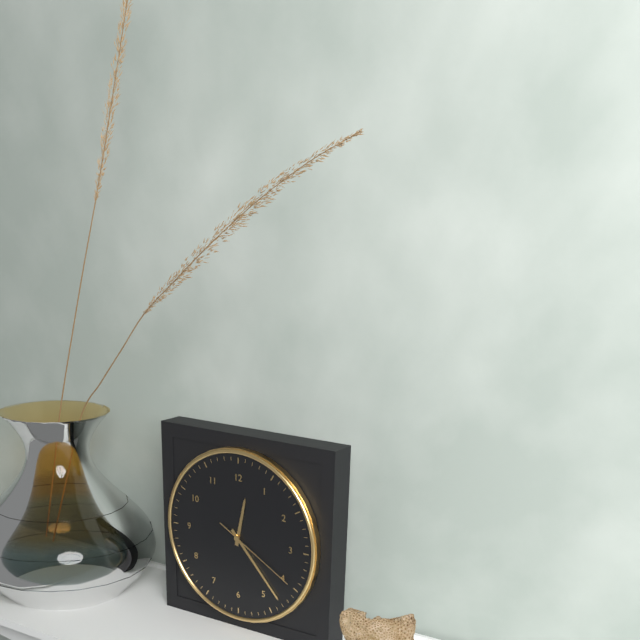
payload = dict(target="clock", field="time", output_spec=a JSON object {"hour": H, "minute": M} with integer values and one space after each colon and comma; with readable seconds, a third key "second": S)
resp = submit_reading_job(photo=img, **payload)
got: {"hour": 12, "minute": 23, "second": 20}
